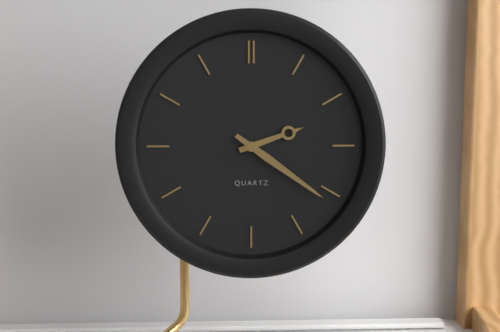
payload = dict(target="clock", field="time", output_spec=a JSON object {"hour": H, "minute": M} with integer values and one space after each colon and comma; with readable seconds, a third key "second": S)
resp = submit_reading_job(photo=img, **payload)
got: {"hour": 2, "minute": 21}
